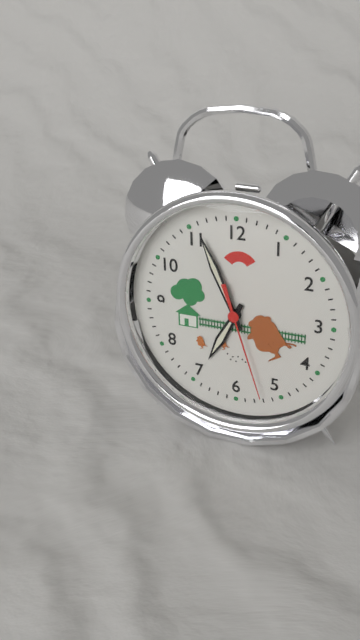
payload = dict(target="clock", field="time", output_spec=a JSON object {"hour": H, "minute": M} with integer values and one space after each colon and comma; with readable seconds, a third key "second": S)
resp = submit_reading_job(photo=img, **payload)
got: {"hour": 6, "minute": 56, "second": 27}
